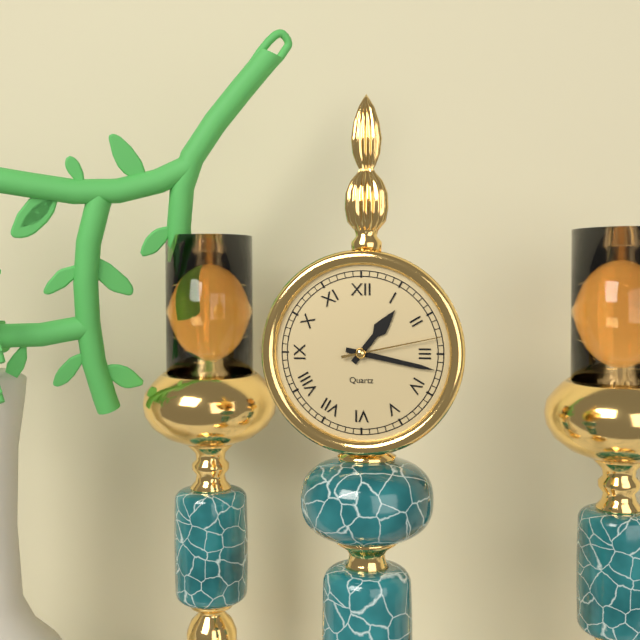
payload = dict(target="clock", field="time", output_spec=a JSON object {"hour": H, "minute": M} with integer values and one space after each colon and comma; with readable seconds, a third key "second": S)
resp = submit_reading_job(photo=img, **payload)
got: {"hour": 1, "minute": 17, "second": 13}
